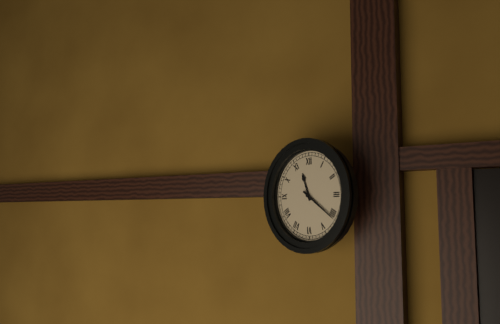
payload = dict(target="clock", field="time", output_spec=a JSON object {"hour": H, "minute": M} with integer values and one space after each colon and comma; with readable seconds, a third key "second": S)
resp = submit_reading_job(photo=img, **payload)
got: {"hour": 11, "minute": 21}
